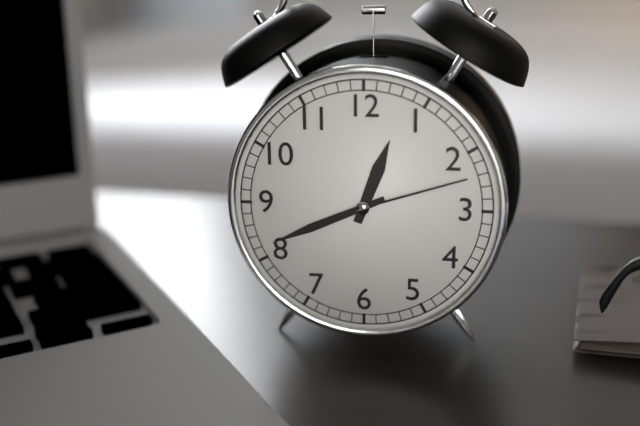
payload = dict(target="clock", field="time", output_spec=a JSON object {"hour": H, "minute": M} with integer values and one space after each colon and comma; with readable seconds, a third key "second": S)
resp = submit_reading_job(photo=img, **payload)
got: {"hour": 12, "minute": 41, "second": 12}
